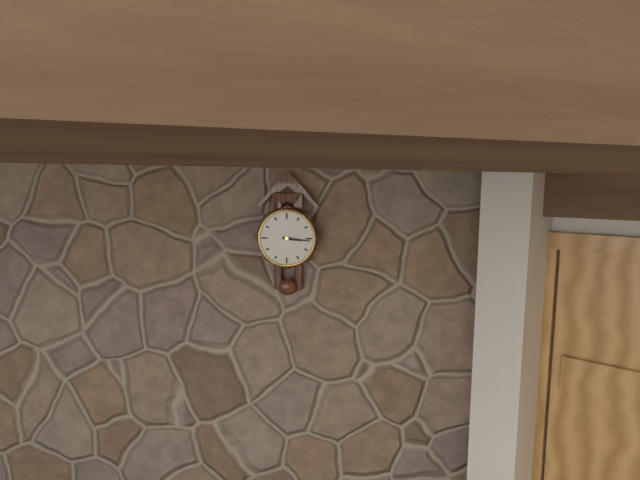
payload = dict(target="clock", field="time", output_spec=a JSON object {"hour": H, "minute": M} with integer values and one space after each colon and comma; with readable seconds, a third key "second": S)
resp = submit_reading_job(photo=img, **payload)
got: {"hour": 3, "minute": 16}
